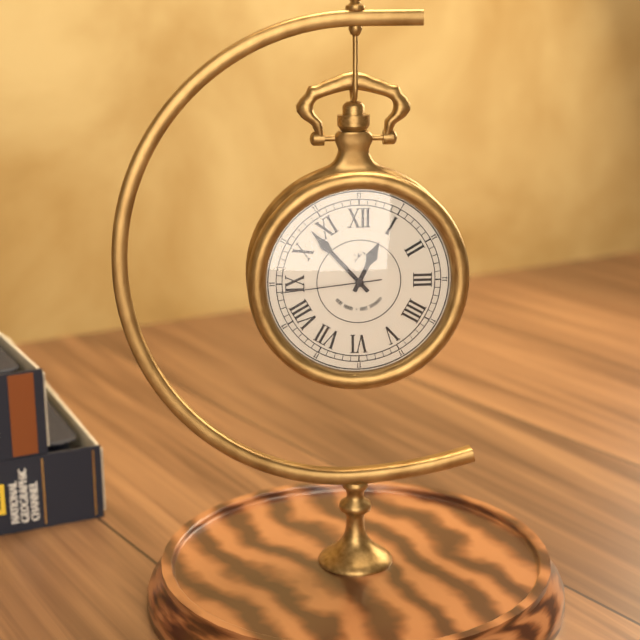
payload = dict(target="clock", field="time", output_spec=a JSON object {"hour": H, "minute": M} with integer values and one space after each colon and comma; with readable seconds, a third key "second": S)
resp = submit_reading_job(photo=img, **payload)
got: {"hour": 12, "minute": 53, "second": 44}
